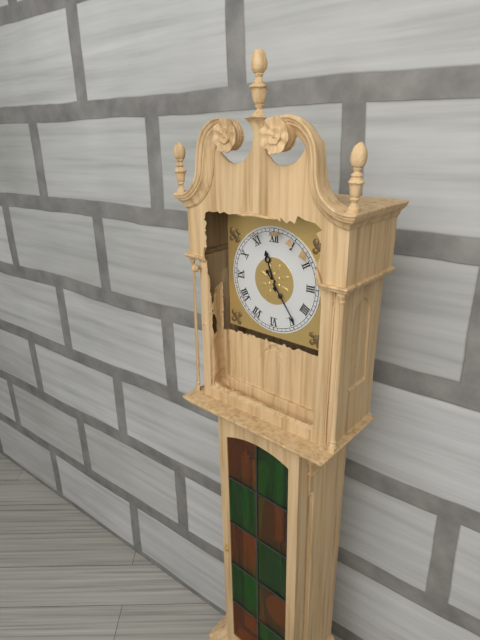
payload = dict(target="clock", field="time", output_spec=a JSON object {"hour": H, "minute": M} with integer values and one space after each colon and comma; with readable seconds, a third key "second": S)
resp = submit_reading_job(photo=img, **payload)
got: {"hour": 11, "minute": 24}
